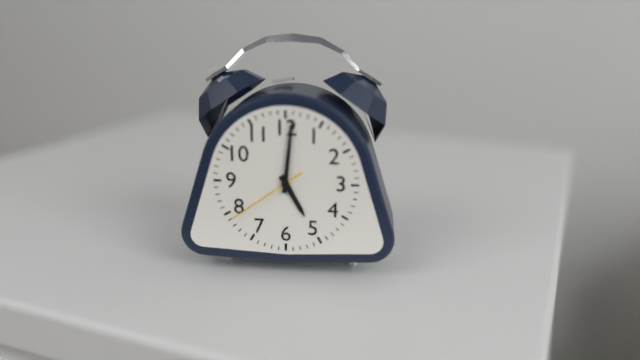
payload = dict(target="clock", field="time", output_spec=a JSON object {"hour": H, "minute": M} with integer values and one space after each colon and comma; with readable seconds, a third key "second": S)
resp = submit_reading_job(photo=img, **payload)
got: {"hour": 5, "minute": 1, "second": 39}
